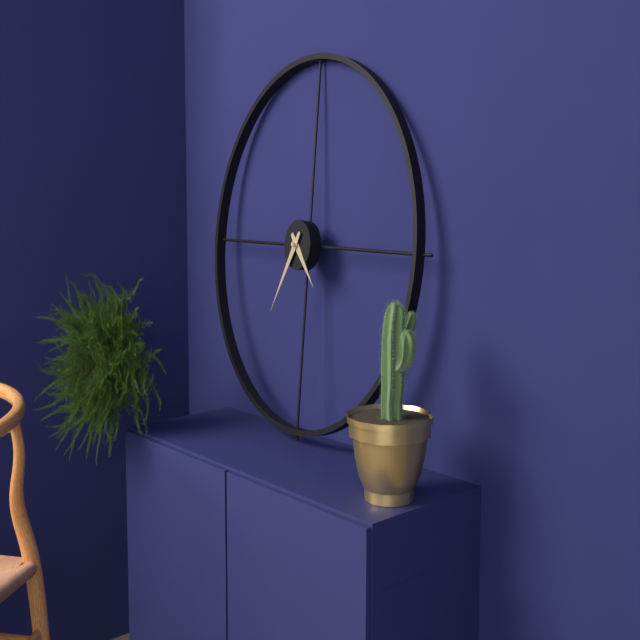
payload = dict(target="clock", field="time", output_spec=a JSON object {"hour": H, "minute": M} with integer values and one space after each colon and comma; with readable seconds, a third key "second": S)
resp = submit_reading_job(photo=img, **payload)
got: {"hour": 4, "minute": 35}
